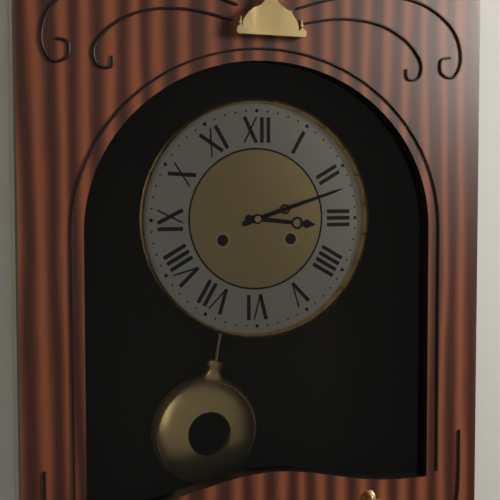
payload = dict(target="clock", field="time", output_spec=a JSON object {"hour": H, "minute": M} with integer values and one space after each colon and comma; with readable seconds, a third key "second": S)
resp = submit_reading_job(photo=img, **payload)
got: {"hour": 3, "minute": 12}
